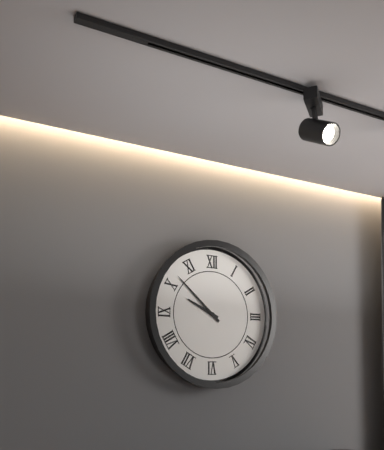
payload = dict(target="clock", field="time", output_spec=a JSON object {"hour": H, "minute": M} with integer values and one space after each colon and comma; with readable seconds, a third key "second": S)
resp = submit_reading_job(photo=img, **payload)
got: {"hour": 9, "minute": 52}
